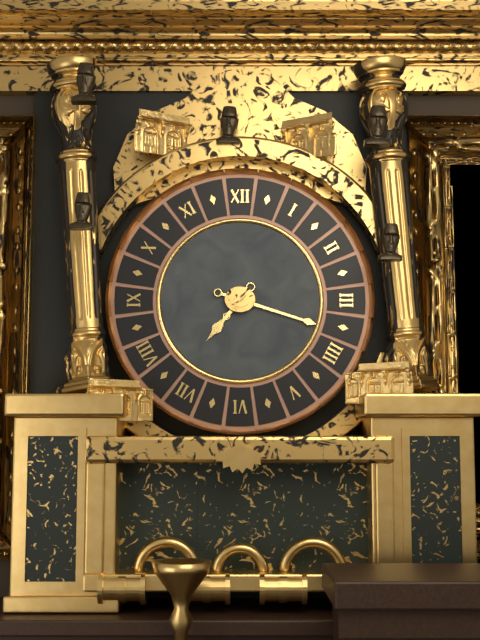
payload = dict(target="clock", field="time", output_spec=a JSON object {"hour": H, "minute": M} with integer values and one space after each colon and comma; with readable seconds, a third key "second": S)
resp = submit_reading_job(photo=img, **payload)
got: {"hour": 7, "minute": 18}
